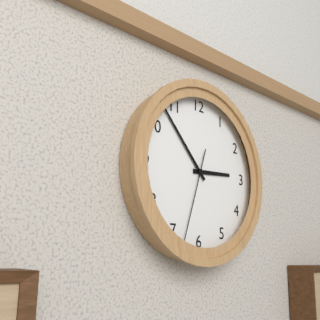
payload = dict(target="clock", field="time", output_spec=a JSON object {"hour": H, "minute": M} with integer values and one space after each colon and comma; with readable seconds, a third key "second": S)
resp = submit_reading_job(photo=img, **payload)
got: {"hour": 2, "minute": 53, "second": 33}
